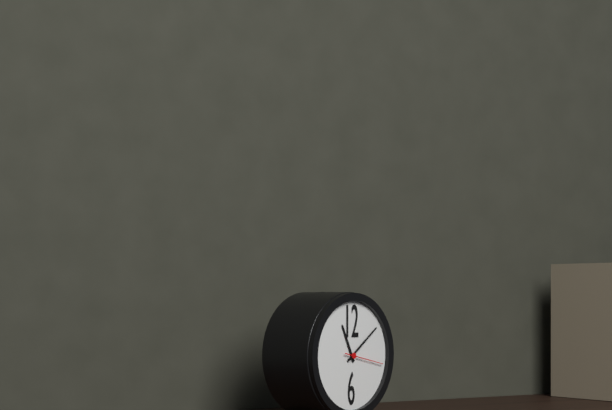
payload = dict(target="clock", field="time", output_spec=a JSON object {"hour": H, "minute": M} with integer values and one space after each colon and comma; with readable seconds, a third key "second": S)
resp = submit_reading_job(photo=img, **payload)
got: {"hour": 11, "minute": 9}
